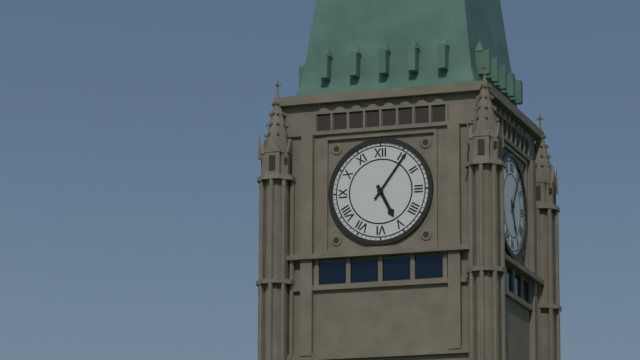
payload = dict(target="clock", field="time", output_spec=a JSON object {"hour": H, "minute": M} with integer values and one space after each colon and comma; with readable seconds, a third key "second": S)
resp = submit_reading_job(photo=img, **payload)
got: {"hour": 5, "minute": 6}
